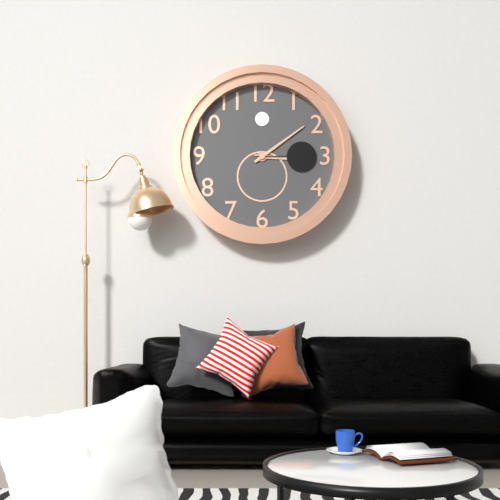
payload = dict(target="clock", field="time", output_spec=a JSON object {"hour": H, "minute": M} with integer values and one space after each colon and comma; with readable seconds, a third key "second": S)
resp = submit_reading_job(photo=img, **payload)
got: {"hour": 3, "minute": 9, "second": 15}
